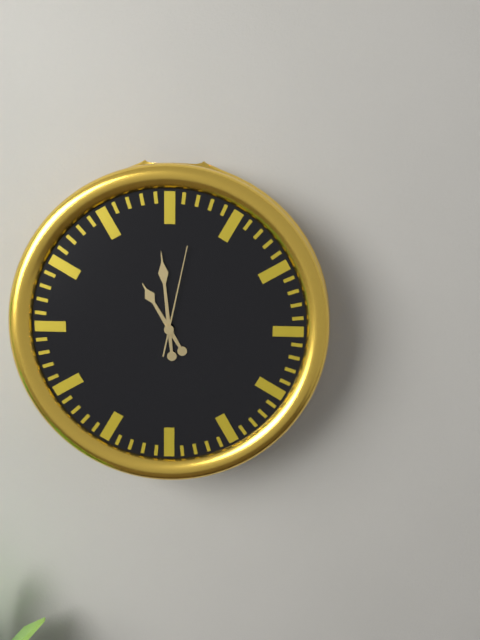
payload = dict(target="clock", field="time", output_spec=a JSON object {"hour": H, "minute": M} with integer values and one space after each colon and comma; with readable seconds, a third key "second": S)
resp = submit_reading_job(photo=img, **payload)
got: {"hour": 10, "minute": 59, "second": 2}
